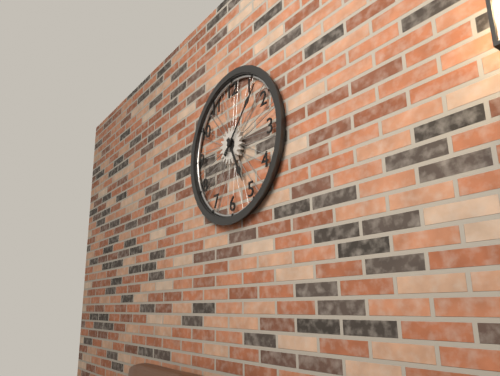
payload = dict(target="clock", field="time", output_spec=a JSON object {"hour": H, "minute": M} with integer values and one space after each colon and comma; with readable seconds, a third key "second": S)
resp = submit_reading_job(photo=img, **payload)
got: {"hour": 5, "minute": 7}
